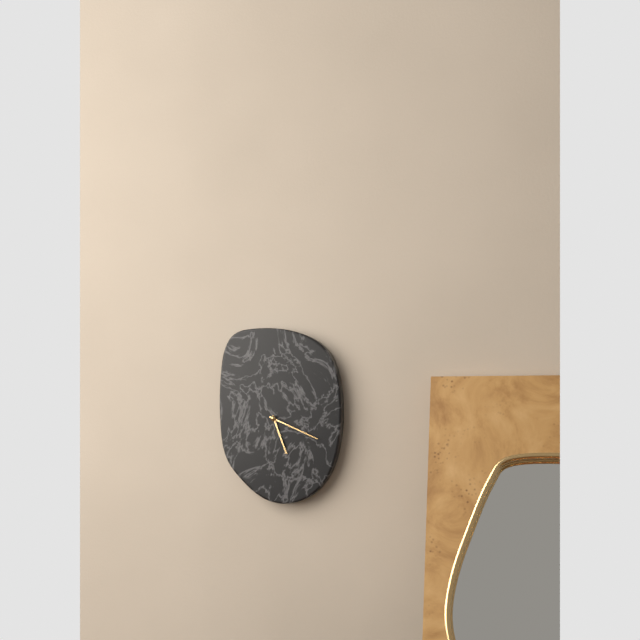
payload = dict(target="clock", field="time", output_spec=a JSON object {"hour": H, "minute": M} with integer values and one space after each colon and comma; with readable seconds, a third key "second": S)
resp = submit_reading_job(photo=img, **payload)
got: {"hour": 5, "minute": 19}
